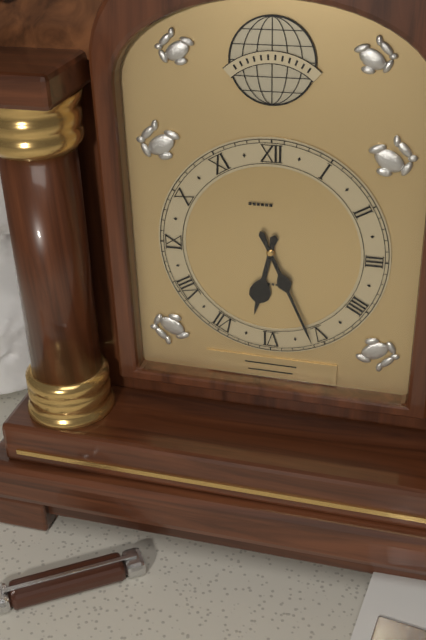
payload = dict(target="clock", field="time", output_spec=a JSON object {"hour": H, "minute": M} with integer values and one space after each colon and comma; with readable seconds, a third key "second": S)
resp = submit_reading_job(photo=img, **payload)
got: {"hour": 6, "minute": 26}
